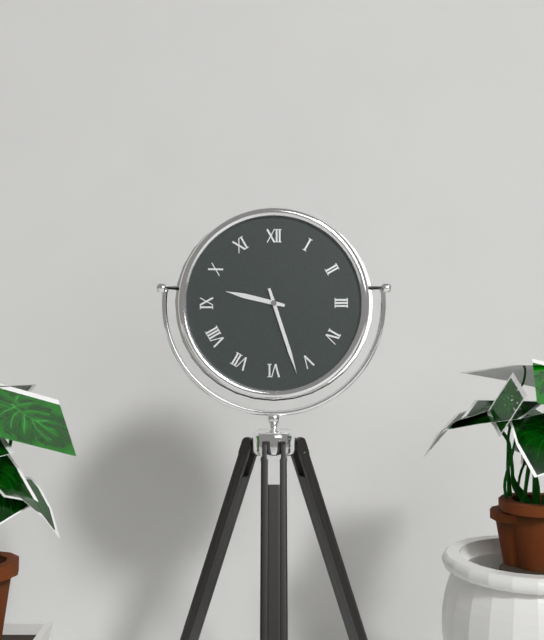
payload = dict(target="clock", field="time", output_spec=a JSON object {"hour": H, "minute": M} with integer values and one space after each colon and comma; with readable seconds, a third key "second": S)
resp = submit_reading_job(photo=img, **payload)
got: {"hour": 9, "minute": 27}
